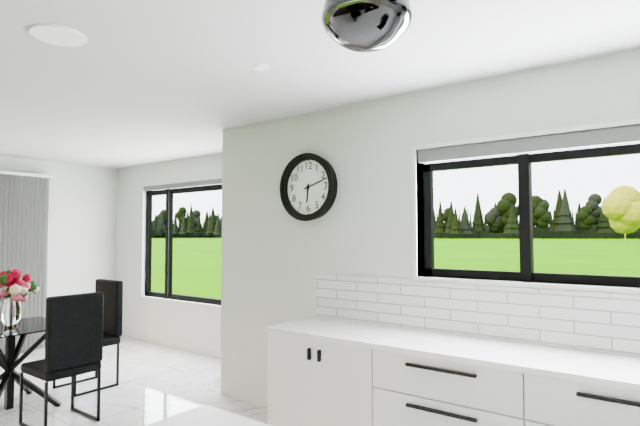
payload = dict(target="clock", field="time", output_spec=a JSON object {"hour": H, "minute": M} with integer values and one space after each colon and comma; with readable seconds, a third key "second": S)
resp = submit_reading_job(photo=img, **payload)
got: {"hour": 6, "minute": 12}
